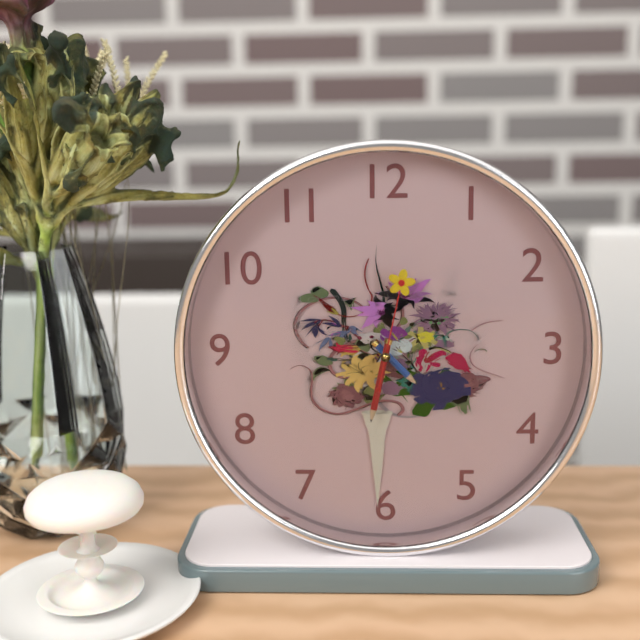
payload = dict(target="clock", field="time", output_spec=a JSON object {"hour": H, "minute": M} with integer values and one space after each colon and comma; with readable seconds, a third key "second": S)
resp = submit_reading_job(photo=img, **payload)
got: {"hour": 4, "minute": 32, "second": 2}
